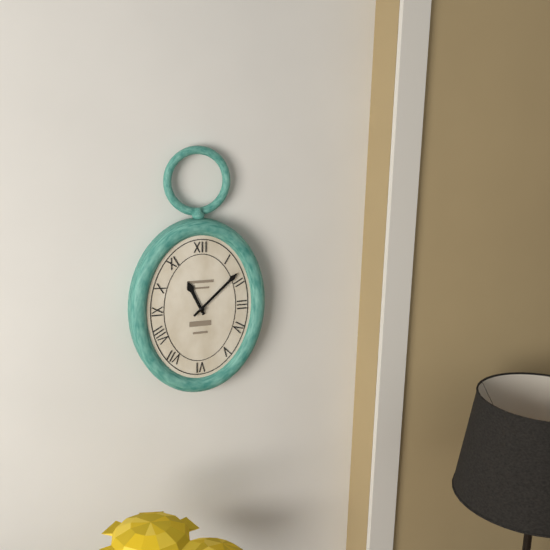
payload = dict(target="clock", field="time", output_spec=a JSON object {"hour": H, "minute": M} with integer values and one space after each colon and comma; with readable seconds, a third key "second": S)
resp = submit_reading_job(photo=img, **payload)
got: {"hour": 11, "minute": 8}
